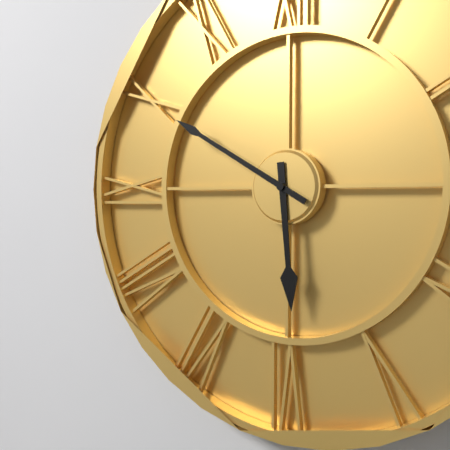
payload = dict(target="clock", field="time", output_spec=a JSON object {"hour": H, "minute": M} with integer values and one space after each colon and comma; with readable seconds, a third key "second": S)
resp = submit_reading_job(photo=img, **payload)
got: {"hour": 5, "minute": 50}
